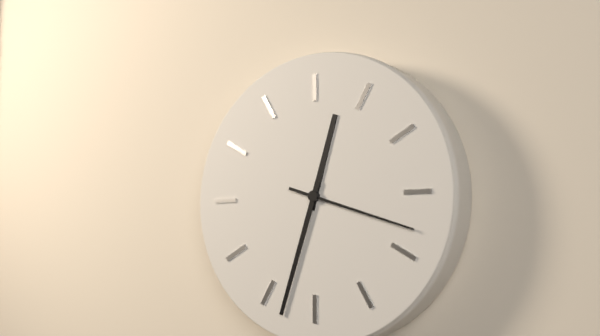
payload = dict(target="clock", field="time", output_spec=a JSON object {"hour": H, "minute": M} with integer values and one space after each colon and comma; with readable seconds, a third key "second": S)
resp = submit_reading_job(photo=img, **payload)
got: {"hour": 12, "minute": 33, "second": 18}
